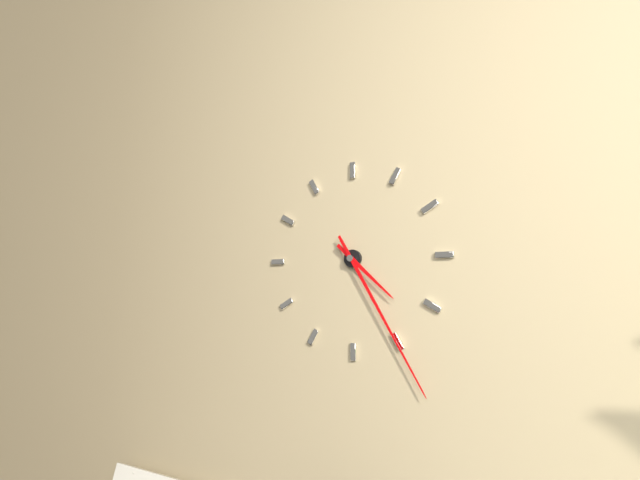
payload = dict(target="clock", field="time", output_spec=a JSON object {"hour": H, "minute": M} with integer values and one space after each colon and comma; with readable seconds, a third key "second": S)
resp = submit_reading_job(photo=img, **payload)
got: {"hour": 4, "minute": 25}
